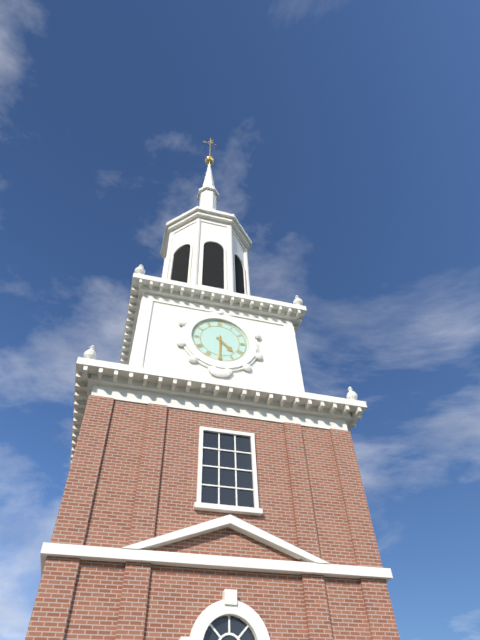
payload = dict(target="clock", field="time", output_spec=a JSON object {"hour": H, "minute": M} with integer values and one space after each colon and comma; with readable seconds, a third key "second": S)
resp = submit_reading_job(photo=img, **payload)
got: {"hour": 4, "minute": 30}
